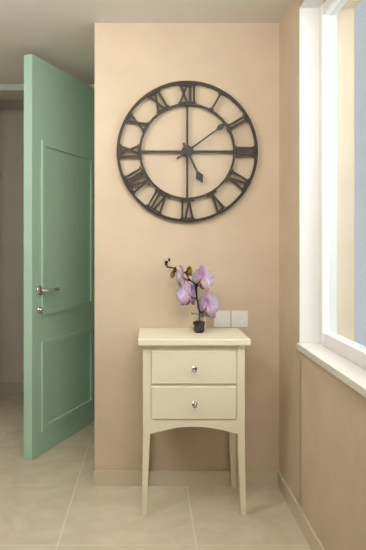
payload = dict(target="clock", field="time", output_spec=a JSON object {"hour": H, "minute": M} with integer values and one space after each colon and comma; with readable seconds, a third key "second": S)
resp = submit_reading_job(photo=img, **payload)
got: {"hour": 5, "minute": 9}
